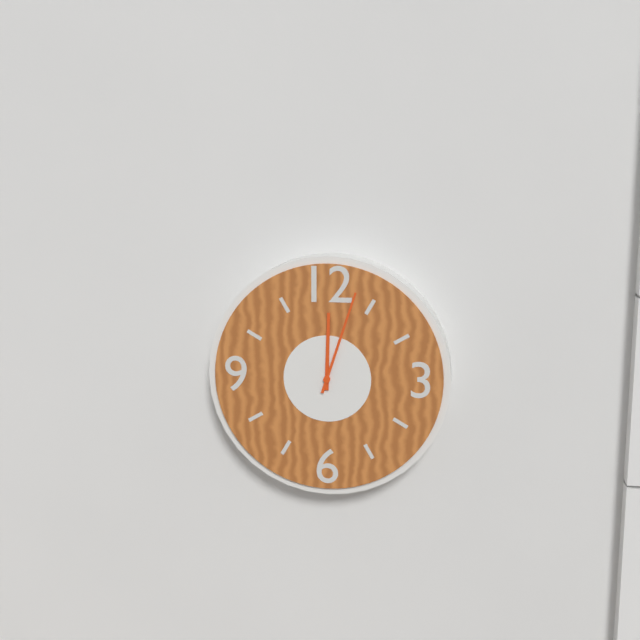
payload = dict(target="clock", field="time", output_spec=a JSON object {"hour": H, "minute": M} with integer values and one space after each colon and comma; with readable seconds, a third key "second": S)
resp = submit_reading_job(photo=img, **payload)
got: {"hour": 12, "minute": 3}
